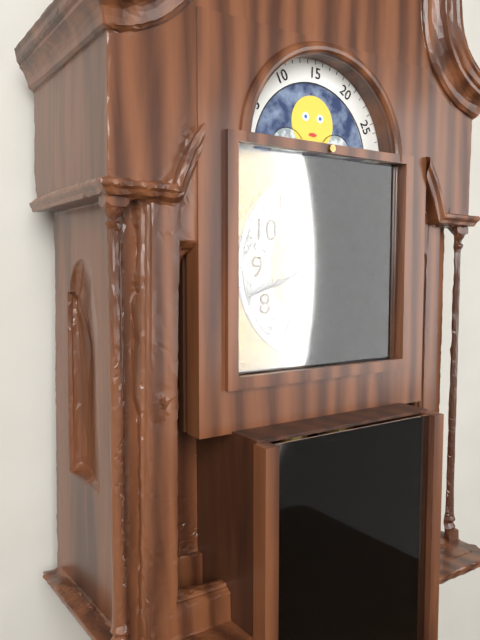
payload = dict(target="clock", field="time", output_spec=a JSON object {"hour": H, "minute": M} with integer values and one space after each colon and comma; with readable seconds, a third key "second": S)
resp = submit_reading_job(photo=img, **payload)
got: {"hour": 3, "minute": 42}
